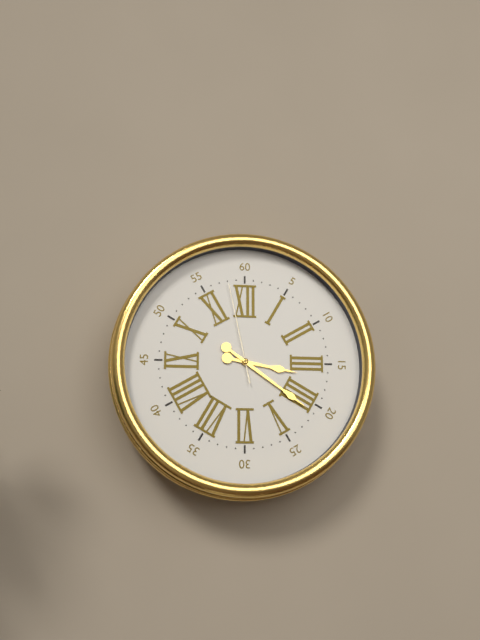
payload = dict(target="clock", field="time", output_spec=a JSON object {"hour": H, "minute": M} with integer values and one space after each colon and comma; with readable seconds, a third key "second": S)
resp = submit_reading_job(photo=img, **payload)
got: {"hour": 3, "minute": 21, "second": 58}
